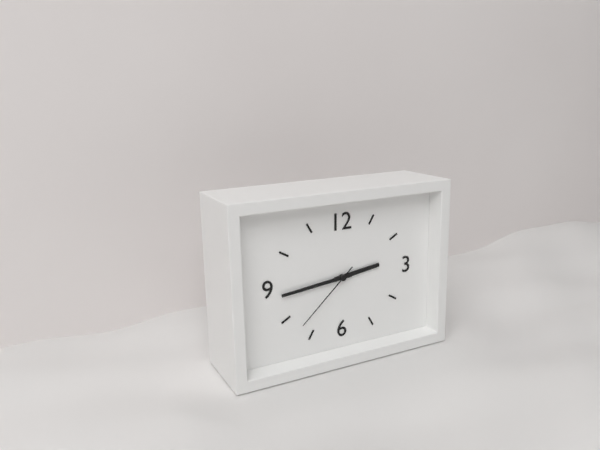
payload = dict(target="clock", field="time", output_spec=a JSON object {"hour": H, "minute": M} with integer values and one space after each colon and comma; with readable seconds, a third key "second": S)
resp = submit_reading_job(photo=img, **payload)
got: {"hour": 2, "minute": 44, "second": 38}
